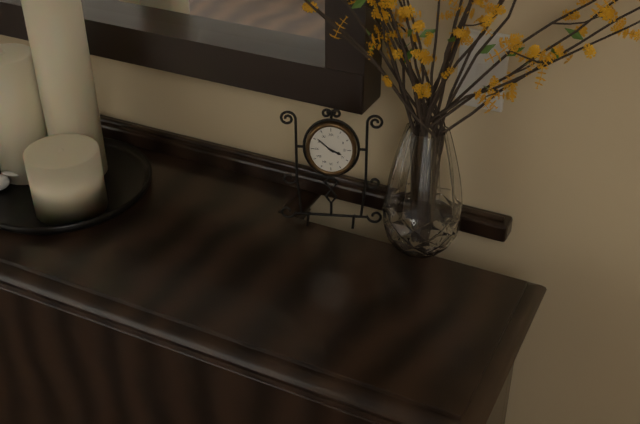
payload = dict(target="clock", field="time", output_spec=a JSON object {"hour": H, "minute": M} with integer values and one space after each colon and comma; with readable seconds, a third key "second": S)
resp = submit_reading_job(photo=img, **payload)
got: {"hour": 3, "minute": 52}
